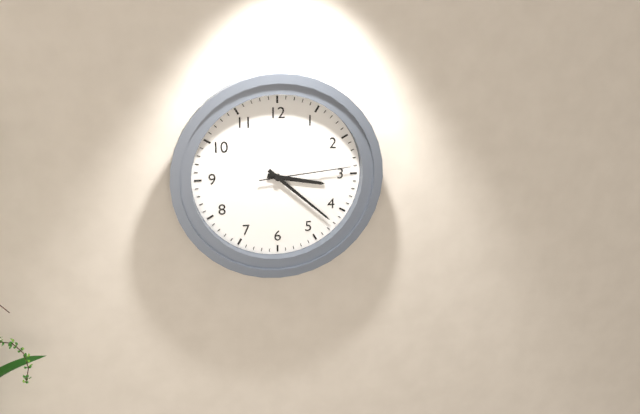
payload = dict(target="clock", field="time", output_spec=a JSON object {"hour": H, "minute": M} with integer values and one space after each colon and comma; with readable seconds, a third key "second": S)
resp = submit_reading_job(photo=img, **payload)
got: {"hour": 3, "minute": 22, "second": 14}
